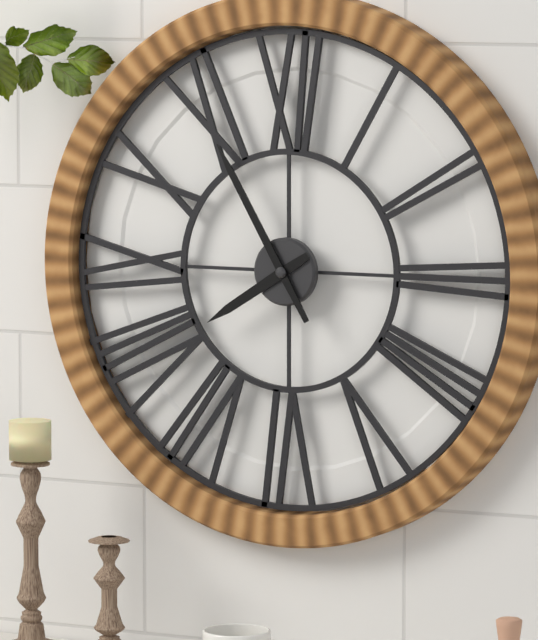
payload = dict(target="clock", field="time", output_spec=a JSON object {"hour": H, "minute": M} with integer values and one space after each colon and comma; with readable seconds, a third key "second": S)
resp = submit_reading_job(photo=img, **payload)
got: {"hour": 7, "minute": 55}
